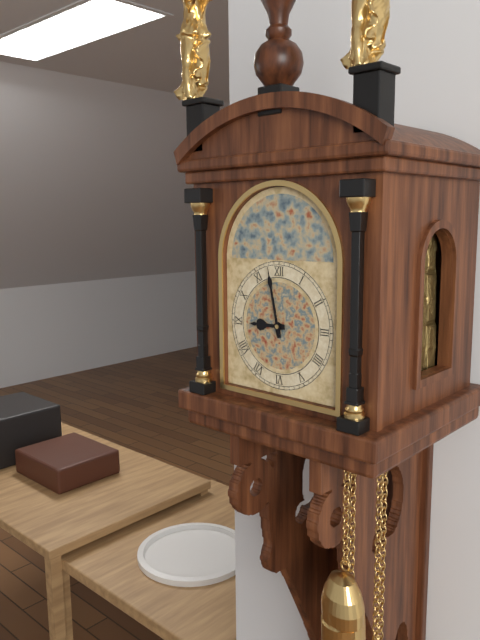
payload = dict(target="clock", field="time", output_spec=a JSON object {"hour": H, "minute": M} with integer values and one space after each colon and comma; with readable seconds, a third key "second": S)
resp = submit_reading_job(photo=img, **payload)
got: {"hour": 8, "minute": 58}
